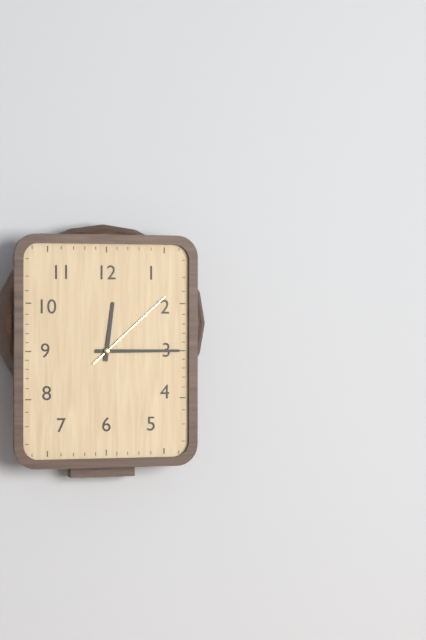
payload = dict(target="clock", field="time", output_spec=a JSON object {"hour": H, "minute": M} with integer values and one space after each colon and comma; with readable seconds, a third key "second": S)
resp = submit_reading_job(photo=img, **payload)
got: {"hour": 12, "minute": 15, "second": 8}
